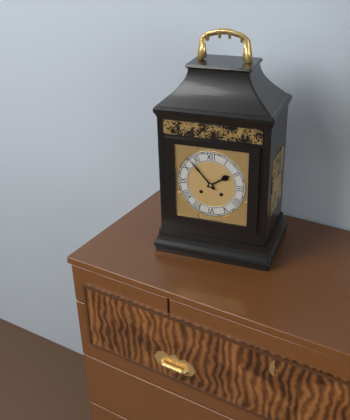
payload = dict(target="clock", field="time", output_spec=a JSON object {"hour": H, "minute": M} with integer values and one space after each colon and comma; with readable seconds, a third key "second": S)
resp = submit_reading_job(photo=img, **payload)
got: {"hour": 1, "minute": 53}
